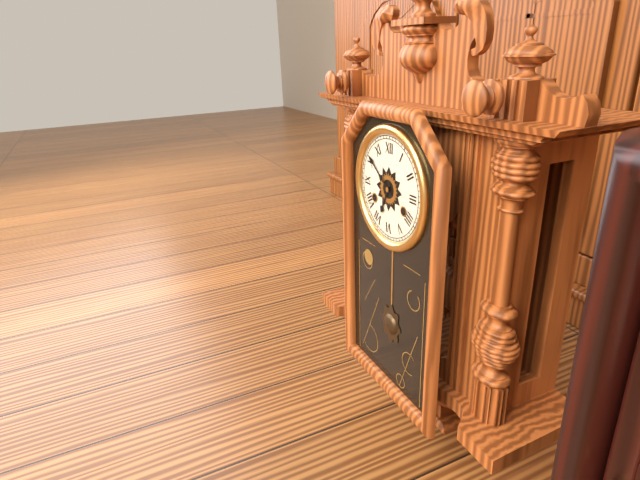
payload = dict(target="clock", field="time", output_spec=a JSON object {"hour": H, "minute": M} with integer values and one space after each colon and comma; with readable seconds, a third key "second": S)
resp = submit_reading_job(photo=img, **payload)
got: {"hour": 6, "minute": 51}
